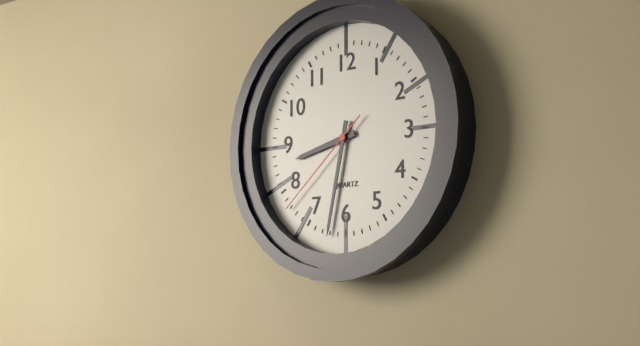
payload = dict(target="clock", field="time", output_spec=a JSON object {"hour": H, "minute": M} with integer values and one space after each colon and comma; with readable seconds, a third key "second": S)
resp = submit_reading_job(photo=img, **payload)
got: {"hour": 8, "minute": 32, "second": 38}
